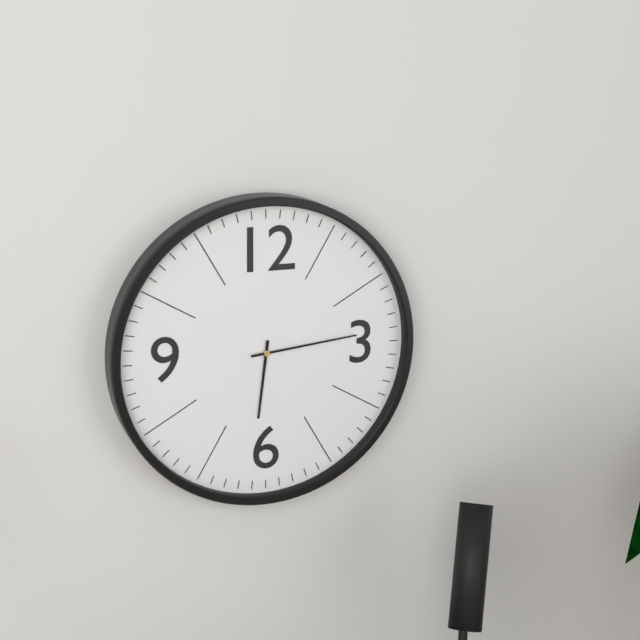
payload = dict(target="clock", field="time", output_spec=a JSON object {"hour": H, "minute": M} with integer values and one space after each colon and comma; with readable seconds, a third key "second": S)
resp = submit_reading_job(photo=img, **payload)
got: {"hour": 6, "minute": 14}
